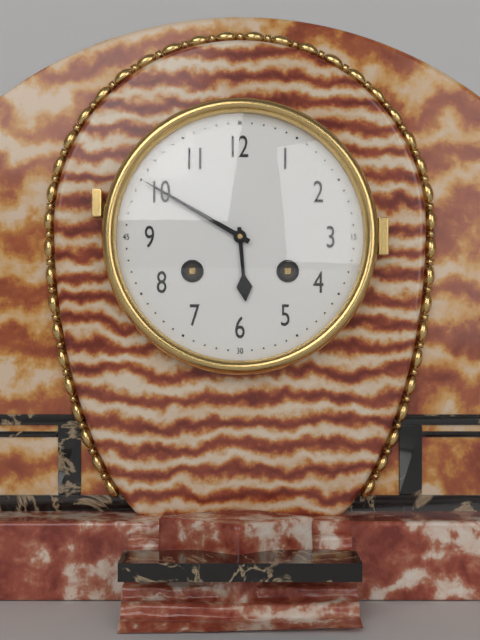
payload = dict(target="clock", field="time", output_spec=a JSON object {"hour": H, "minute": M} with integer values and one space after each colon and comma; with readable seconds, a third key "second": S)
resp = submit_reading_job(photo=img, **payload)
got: {"hour": 5, "minute": 50}
